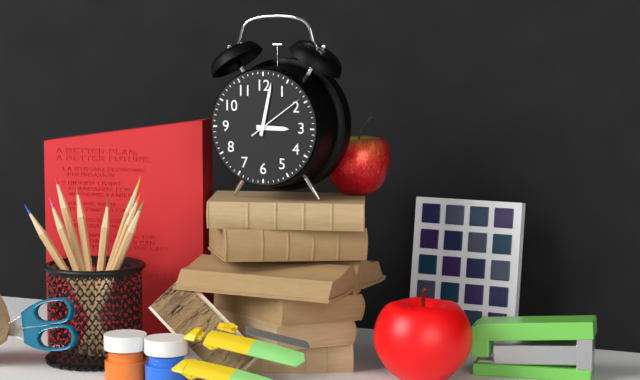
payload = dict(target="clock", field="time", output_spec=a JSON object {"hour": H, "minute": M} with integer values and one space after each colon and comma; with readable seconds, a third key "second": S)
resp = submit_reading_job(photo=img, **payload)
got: {"hour": 3, "minute": 2, "second": 9}
